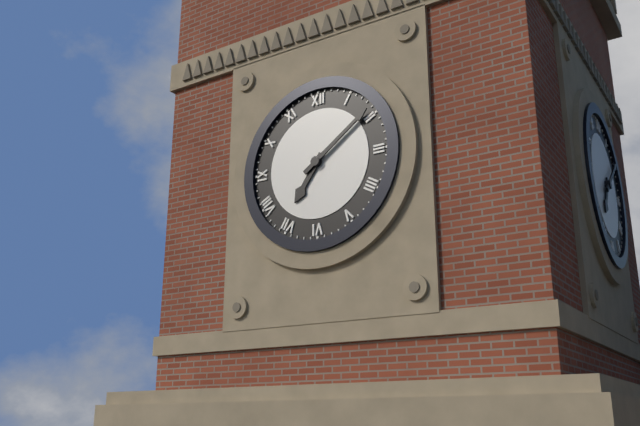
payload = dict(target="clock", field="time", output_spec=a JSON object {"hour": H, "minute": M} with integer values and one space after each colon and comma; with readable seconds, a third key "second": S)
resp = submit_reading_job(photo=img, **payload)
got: {"hour": 7, "minute": 9}
